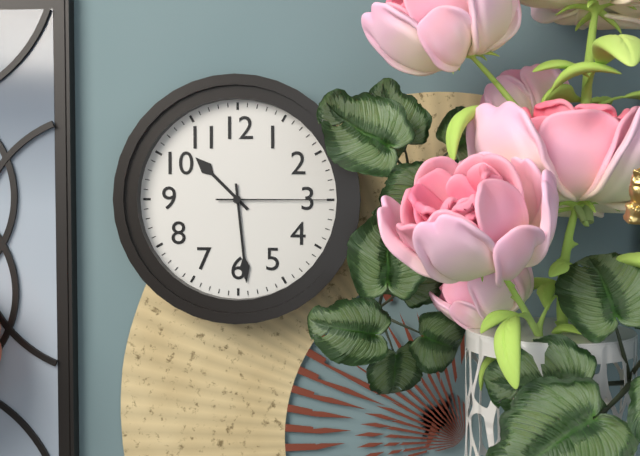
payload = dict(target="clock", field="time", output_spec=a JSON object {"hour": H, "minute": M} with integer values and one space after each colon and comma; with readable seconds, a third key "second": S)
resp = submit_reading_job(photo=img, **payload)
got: {"hour": 10, "minute": 29, "second": 15}
